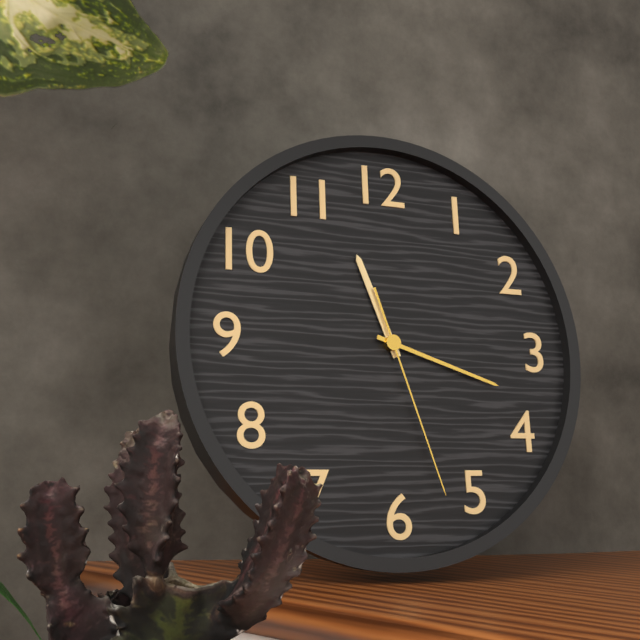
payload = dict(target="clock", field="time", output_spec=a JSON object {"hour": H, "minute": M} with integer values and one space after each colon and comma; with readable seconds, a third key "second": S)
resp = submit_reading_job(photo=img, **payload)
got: {"hour": 11, "minute": 18, "second": 27}
